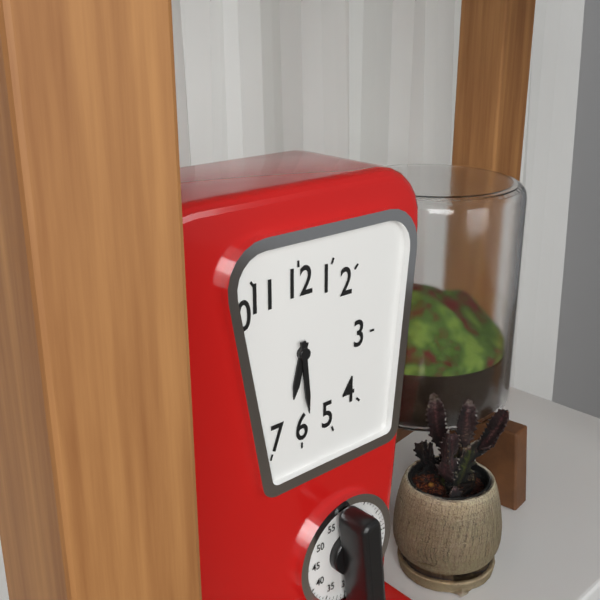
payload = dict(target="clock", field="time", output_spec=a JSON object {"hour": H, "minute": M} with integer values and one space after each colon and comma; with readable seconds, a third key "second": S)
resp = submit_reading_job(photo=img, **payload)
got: {"hour": 6, "minute": 29}
